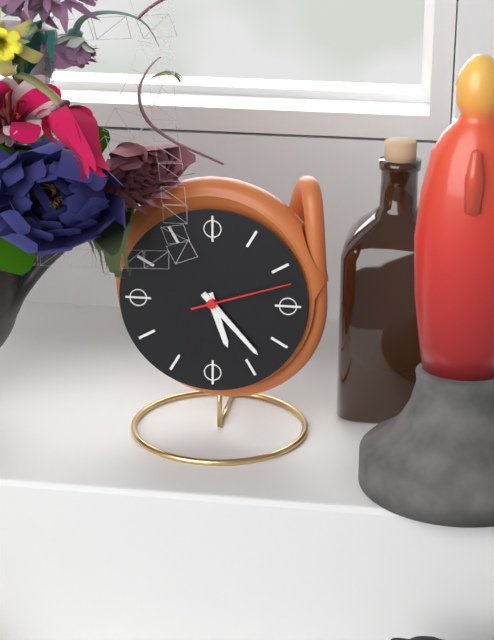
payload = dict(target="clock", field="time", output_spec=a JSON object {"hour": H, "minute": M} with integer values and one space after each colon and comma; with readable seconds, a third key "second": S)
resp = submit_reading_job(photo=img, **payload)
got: {"hour": 5, "minute": 23, "second": 12}
